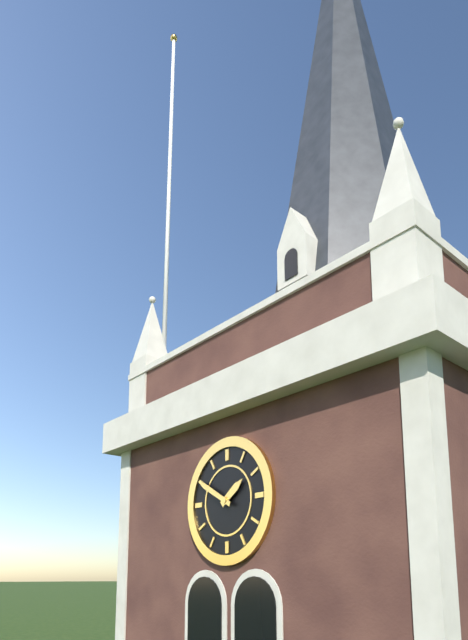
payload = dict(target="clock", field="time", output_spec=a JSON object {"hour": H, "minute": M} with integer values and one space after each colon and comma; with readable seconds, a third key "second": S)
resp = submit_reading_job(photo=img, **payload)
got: {"hour": 1, "minute": 50}
